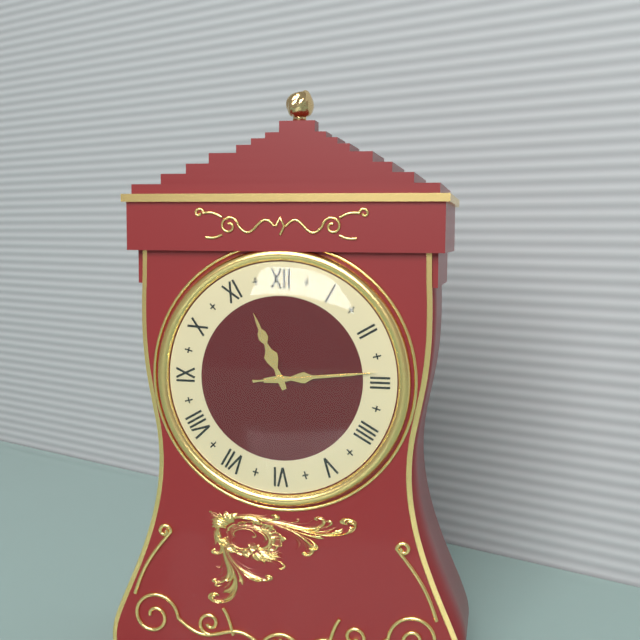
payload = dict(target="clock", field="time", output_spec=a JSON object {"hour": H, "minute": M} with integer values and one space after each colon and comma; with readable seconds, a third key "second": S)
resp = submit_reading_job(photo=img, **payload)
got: {"hour": 11, "minute": 14, "second": 14}
